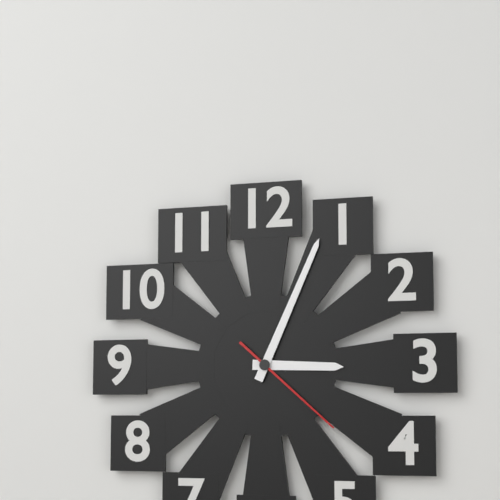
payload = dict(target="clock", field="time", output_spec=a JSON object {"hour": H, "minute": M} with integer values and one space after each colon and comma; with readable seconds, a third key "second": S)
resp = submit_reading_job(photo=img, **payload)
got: {"hour": 3, "minute": 4, "second": 22}
